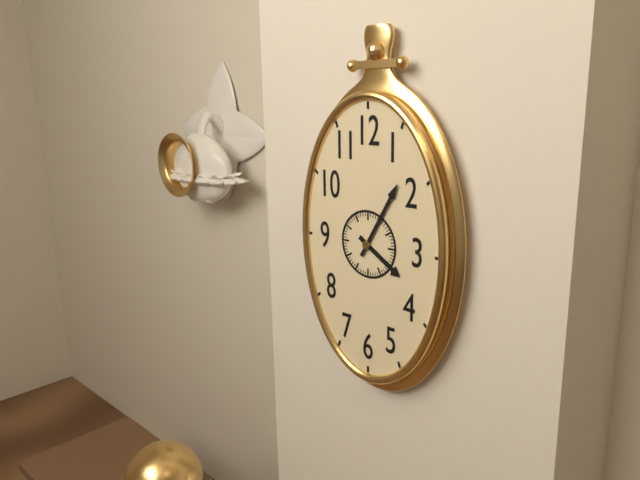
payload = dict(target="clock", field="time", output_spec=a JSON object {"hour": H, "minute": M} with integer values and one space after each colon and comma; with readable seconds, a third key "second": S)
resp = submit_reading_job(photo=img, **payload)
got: {"hour": 4, "minute": 5}
